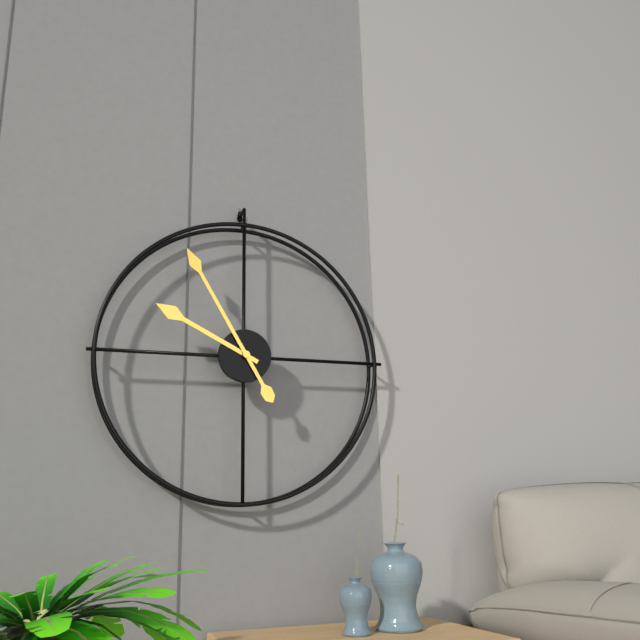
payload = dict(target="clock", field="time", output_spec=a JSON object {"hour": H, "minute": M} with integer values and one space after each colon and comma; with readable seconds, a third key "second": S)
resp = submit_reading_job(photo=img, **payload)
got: {"hour": 9, "minute": 55}
